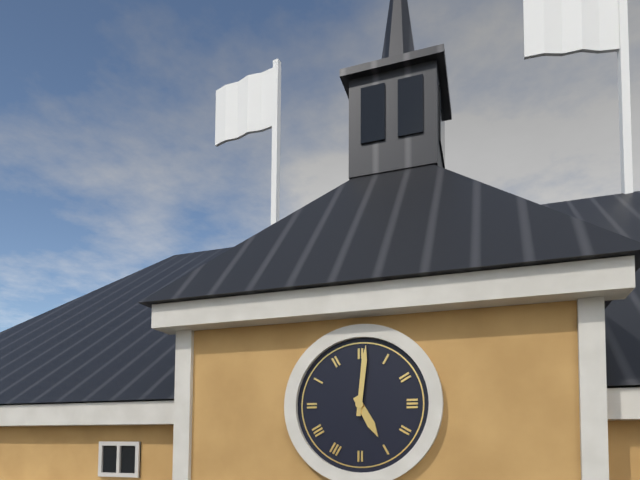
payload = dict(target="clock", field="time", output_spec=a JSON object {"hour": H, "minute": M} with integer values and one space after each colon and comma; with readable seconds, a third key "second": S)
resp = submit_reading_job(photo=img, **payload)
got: {"hour": 5, "minute": 1}
